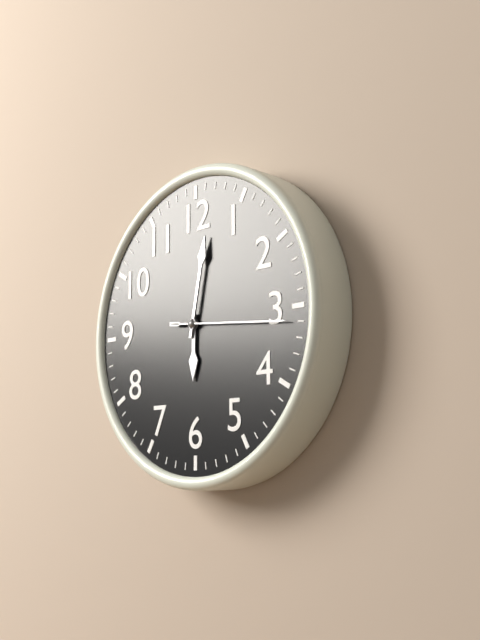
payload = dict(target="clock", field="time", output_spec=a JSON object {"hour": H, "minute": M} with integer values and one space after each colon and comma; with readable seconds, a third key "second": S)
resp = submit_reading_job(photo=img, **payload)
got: {"hour": 6, "minute": 2, "second": 16}
